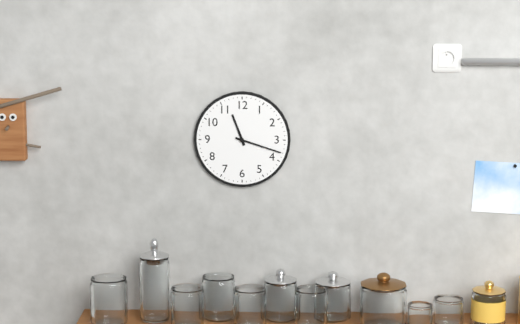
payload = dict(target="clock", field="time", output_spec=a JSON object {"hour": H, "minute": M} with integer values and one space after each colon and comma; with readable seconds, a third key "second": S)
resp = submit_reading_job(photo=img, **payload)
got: {"hour": 11, "minute": 18}
